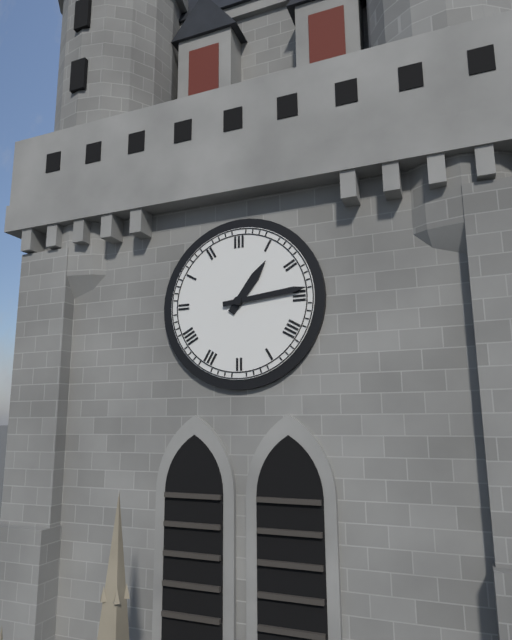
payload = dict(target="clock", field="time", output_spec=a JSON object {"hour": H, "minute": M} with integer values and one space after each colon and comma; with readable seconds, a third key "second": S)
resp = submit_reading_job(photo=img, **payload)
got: {"hour": 1, "minute": 14}
